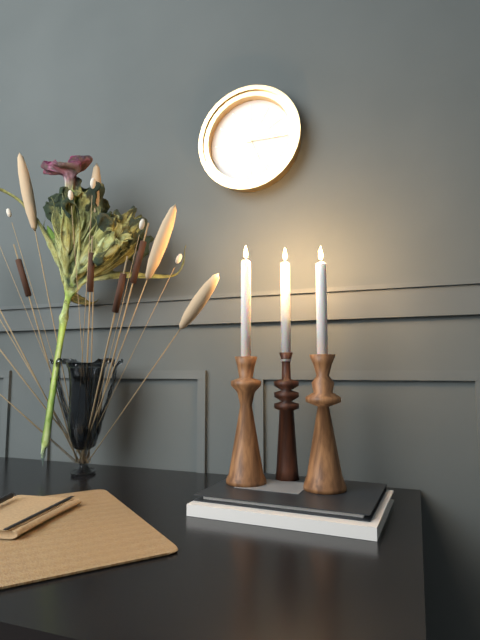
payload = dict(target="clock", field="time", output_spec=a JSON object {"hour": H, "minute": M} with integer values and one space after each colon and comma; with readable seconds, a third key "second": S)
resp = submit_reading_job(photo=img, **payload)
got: {"hour": 5, "minute": 15}
